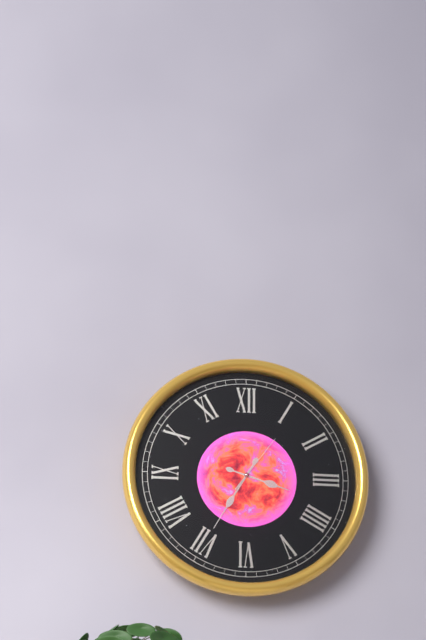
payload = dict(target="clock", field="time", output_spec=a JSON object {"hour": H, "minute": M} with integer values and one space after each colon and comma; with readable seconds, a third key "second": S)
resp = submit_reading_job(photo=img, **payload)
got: {"hour": 3, "minute": 35, "second": 6}
